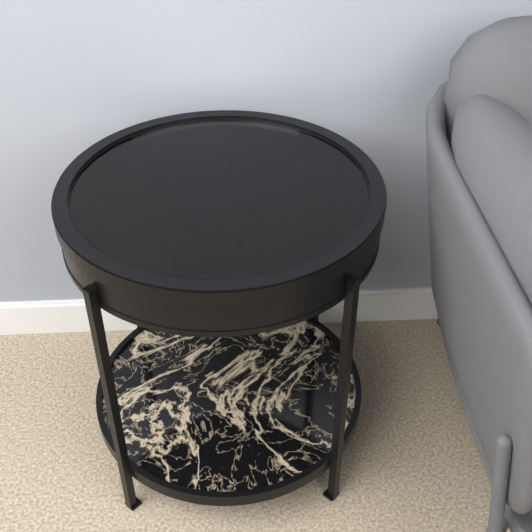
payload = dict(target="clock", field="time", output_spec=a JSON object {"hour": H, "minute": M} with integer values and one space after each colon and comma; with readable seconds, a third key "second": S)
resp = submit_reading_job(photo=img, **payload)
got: {"hour": 9, "minute": 37}
